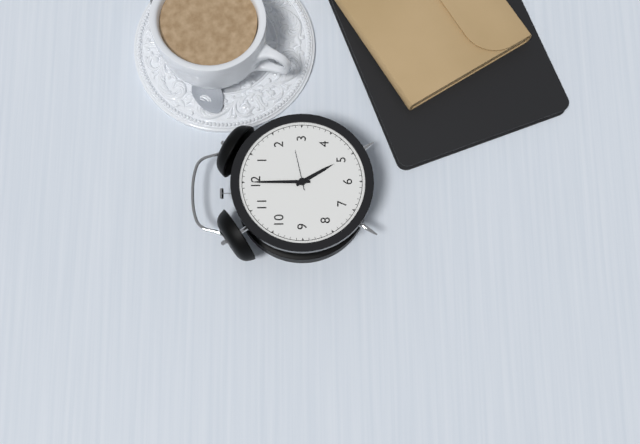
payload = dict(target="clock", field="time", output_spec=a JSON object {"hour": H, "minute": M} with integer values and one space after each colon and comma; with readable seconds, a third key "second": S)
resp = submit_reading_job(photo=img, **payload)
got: {"hour": 5, "minute": 0}
